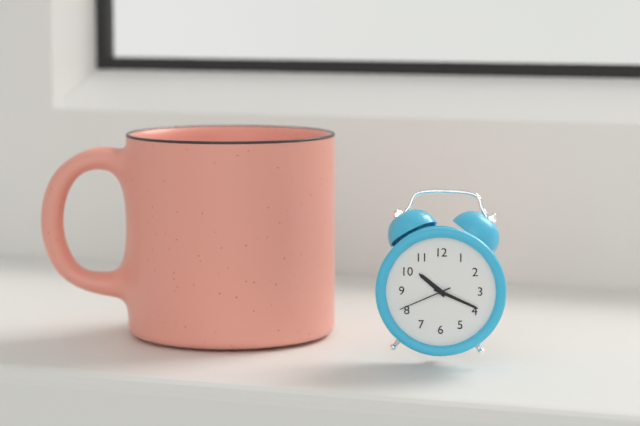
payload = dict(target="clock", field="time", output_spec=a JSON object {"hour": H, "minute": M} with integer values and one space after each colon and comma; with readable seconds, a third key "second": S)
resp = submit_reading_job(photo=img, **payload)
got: {"hour": 10, "minute": 19, "second": 41}
